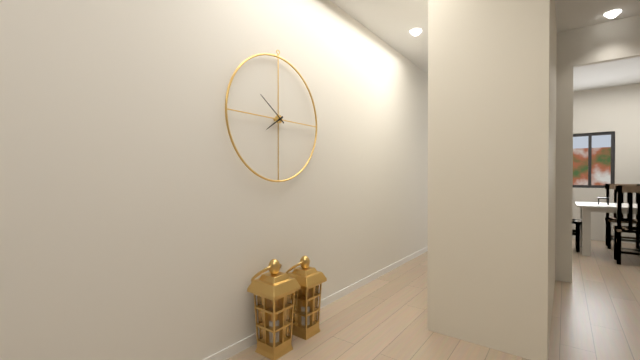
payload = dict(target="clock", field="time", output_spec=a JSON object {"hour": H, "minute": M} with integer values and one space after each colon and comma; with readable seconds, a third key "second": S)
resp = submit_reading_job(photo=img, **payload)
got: {"hour": 7, "minute": 51}
